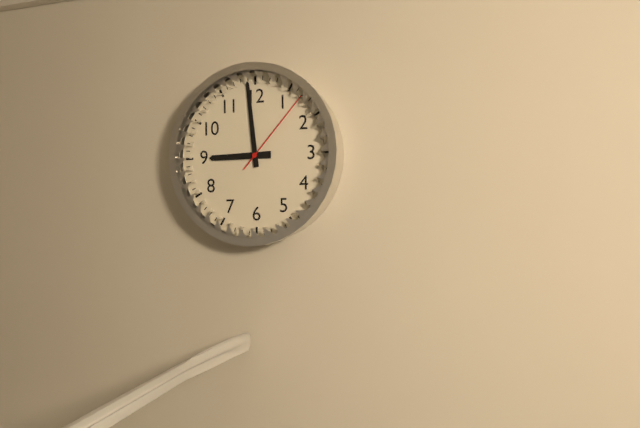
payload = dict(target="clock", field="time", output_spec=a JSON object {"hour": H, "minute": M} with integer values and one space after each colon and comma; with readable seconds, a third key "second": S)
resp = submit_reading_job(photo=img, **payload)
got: {"hour": 8, "minute": 59, "second": 7}
